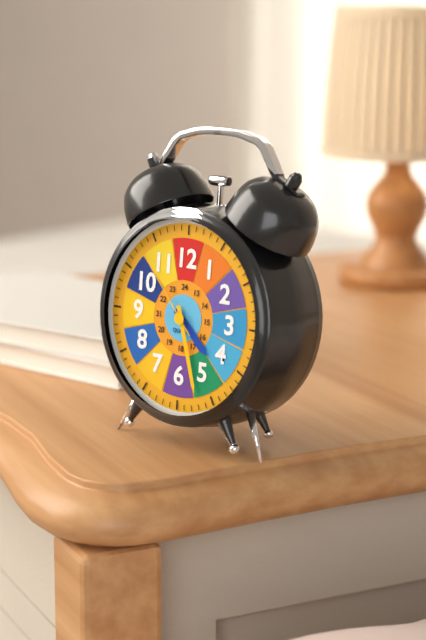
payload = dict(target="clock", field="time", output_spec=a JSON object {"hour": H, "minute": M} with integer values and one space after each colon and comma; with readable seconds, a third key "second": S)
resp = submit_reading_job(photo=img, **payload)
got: {"hour": 4, "minute": 27, "second": 53}
